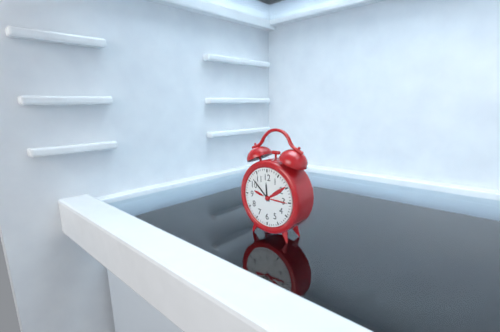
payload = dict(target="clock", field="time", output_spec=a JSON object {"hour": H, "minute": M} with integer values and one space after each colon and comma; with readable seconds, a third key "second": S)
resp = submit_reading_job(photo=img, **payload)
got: {"hour": 11, "minute": 52}
